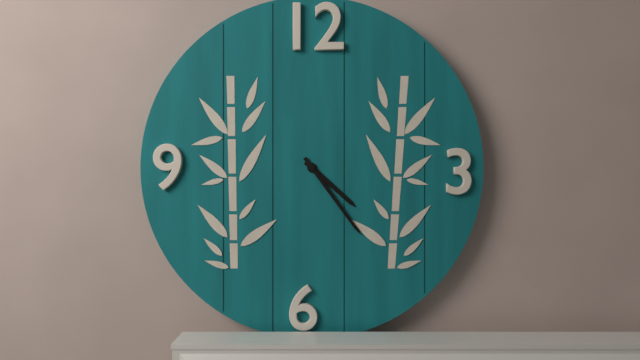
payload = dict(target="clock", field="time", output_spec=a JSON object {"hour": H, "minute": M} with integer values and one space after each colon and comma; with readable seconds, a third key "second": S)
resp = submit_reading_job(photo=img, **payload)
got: {"hour": 4, "minute": 24}
